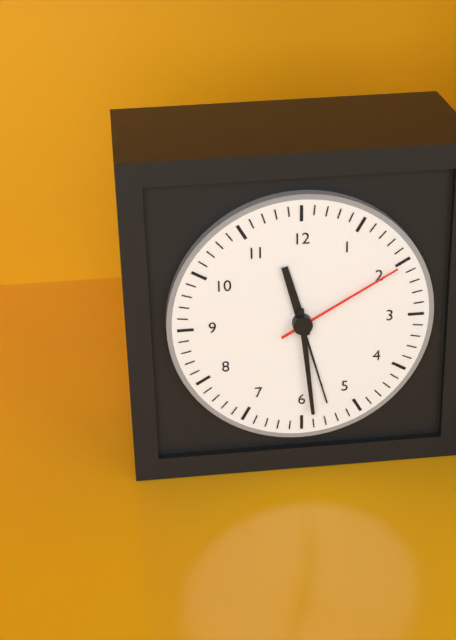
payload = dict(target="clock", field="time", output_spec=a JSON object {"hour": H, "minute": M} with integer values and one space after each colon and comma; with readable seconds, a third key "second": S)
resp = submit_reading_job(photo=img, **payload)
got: {"hour": 11, "minute": 29, "second": 10}
